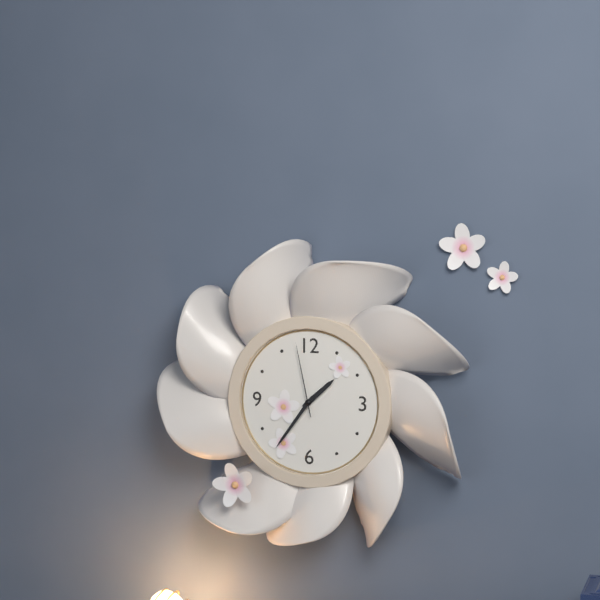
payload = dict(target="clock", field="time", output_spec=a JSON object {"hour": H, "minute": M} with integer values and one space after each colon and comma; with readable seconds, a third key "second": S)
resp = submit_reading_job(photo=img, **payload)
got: {"hour": 1, "minute": 36, "second": 58}
